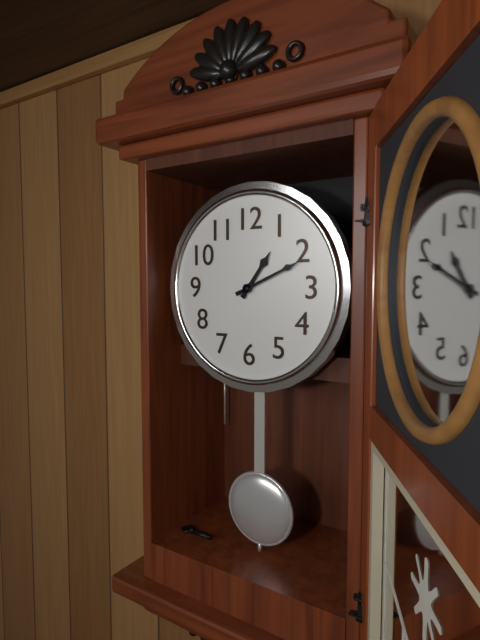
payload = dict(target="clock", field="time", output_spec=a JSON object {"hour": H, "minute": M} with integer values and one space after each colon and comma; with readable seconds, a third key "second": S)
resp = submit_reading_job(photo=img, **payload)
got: {"hour": 1, "minute": 11}
